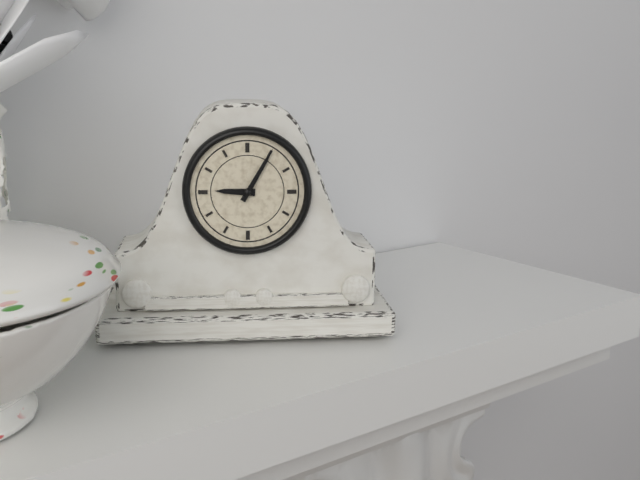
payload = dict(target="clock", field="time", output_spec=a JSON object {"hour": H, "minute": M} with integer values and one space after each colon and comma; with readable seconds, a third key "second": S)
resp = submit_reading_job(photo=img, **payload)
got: {"hour": 9, "minute": 5}
